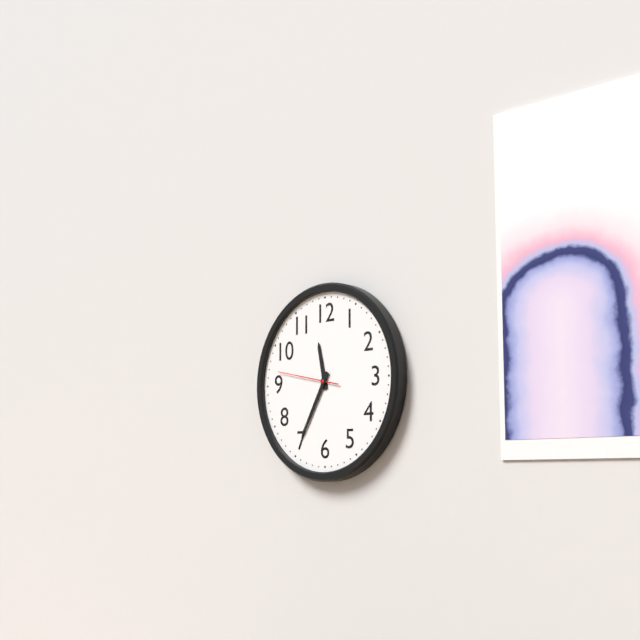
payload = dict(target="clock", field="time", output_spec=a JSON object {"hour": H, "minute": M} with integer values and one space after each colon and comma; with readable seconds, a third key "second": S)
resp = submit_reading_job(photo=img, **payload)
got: {"hour": 11, "minute": 35, "second": 47}
